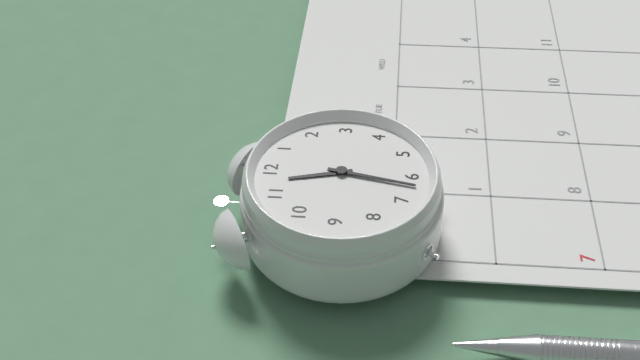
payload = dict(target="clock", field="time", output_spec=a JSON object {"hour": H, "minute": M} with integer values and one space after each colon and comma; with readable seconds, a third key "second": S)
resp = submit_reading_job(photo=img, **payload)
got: {"hour": 11, "minute": 32}
